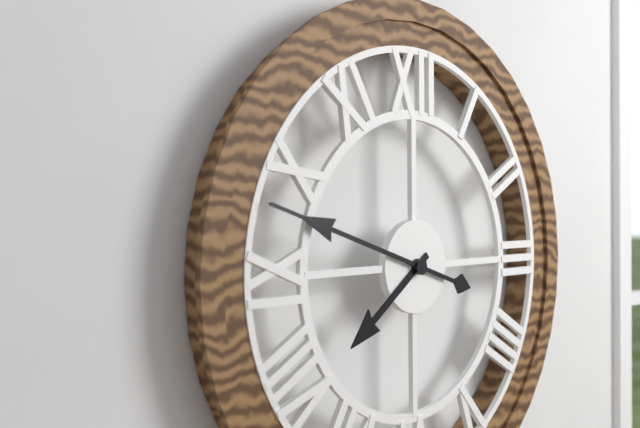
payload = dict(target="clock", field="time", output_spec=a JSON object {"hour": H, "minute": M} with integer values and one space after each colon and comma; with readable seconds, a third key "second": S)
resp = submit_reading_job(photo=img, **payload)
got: {"hour": 7, "minute": 48}
